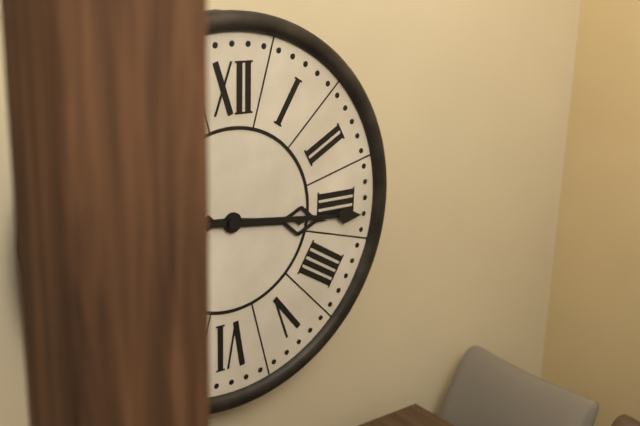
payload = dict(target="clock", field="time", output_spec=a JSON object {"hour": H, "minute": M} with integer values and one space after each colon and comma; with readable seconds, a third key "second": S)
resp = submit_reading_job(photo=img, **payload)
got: {"hour": 3, "minute": 16}
